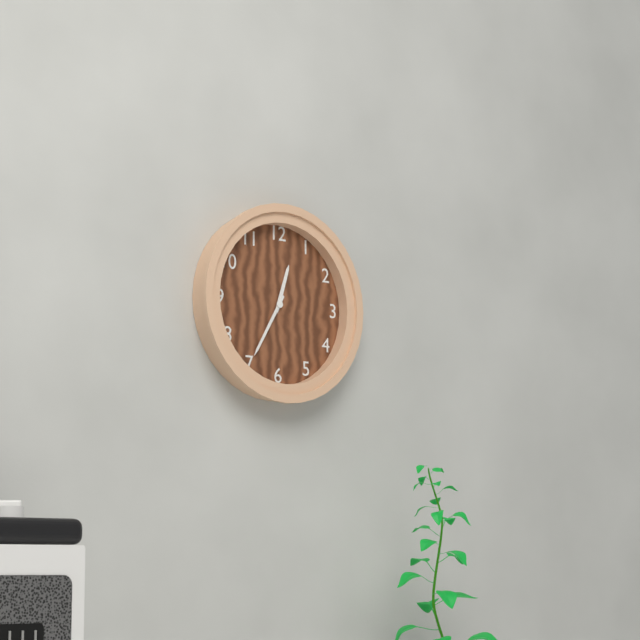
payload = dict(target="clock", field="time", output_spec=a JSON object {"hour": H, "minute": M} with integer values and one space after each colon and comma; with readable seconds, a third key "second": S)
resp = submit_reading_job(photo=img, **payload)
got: {"hour": 12, "minute": 35}
